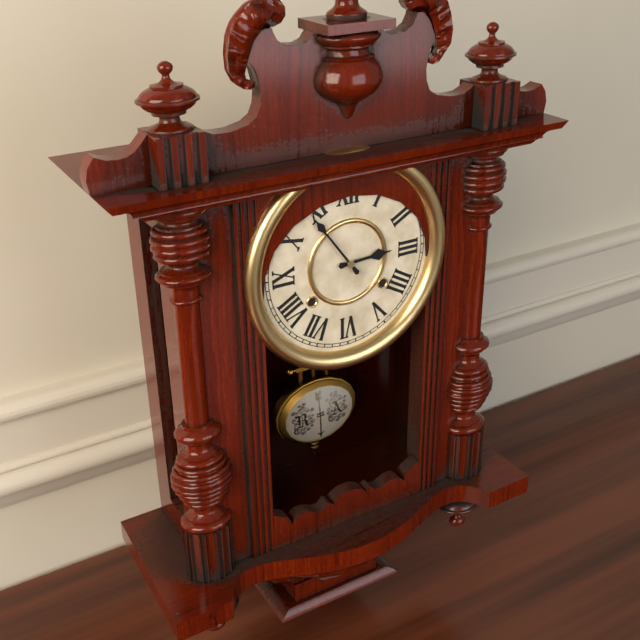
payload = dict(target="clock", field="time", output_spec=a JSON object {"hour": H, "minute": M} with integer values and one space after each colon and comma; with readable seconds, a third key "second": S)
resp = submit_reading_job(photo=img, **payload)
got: {"hour": 2, "minute": 54}
